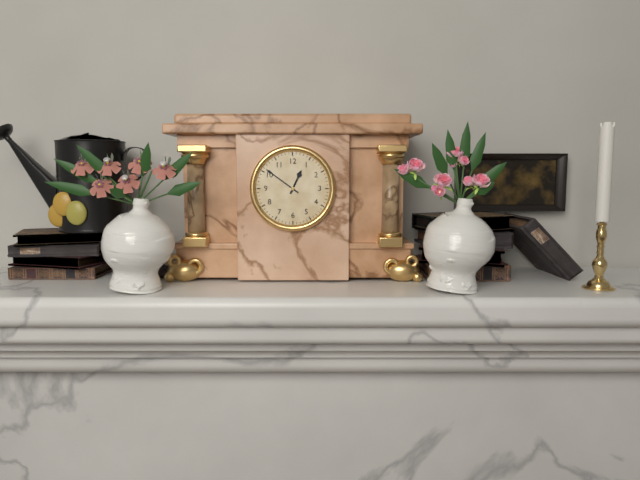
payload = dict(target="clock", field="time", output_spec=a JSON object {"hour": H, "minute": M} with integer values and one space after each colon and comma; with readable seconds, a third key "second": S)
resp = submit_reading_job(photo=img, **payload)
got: {"hour": 12, "minute": 51}
